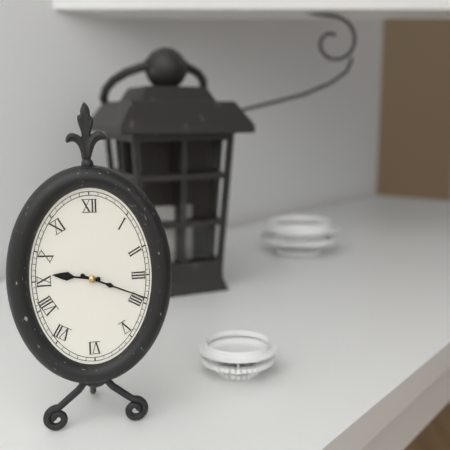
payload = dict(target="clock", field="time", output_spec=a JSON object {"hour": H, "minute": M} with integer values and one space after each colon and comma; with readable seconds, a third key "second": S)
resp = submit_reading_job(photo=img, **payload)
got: {"hour": 9, "minute": 19}
